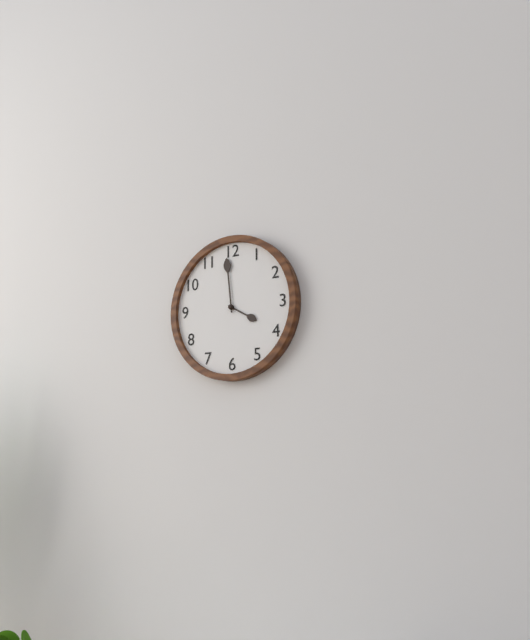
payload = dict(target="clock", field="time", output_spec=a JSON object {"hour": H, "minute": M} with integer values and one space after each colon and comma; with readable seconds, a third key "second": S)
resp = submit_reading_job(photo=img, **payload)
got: {"hour": 3, "minute": 59}
